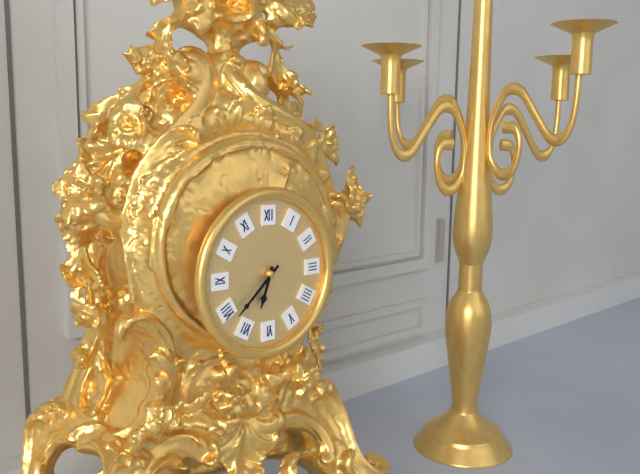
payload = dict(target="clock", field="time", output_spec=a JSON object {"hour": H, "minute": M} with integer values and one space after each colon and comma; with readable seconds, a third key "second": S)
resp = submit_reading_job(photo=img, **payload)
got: {"hour": 6, "minute": 38}
